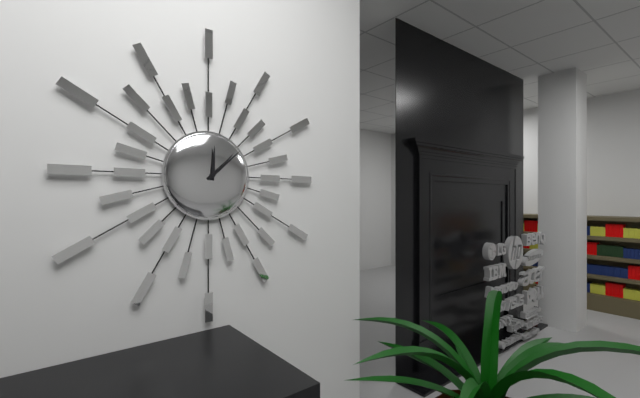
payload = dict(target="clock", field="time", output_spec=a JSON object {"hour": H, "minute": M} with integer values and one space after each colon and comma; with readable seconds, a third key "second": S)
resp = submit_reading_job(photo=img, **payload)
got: {"hour": 12, "minute": 8}
